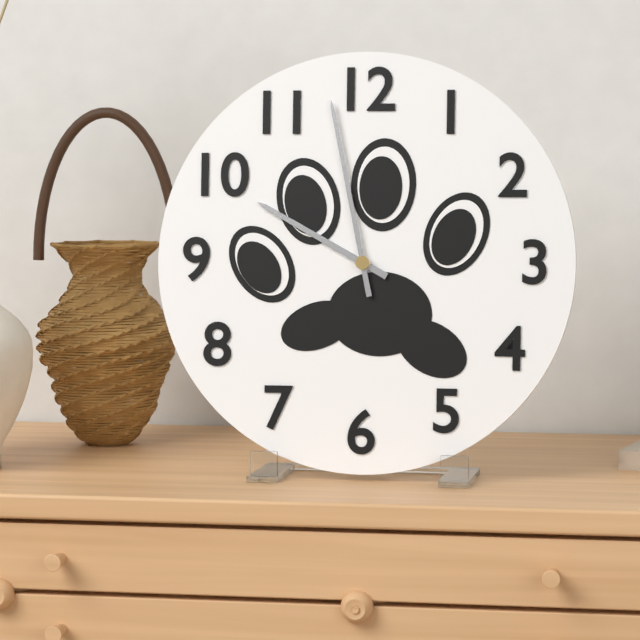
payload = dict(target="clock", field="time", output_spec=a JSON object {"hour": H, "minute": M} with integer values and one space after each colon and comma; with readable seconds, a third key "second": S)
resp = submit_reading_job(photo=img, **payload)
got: {"hour": 9, "minute": 58}
